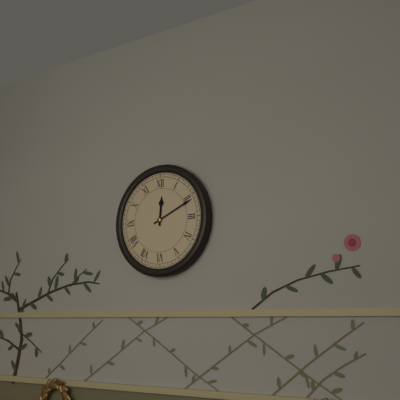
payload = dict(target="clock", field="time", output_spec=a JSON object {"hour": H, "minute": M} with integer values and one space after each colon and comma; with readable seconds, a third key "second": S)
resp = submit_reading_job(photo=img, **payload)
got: {"hour": 12, "minute": 11}
